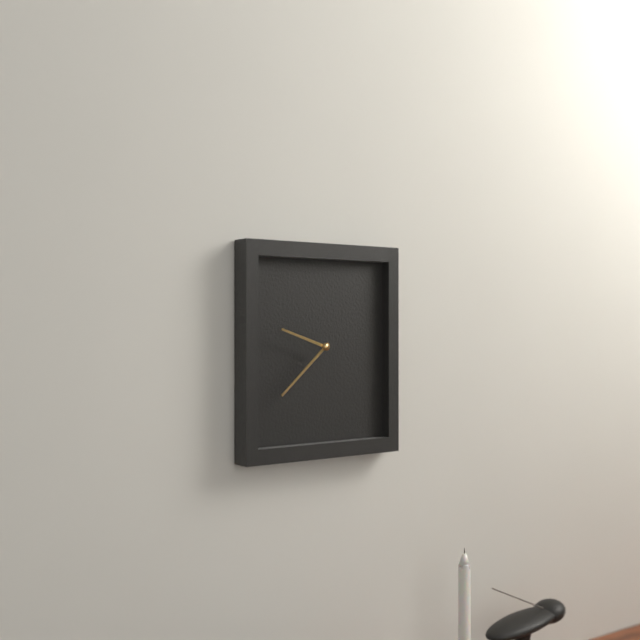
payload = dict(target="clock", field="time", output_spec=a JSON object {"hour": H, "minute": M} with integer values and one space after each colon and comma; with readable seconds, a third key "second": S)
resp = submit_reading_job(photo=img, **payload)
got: {"hour": 9, "minute": 38}
